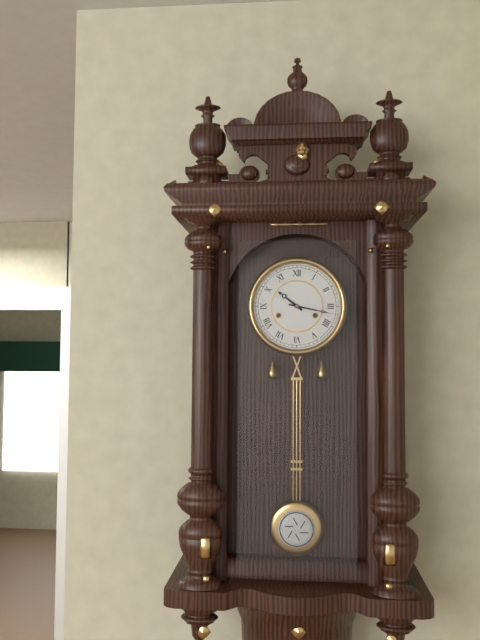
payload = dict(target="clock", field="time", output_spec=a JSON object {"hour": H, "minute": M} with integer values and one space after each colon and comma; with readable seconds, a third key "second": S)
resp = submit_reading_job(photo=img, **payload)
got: {"hour": 10, "minute": 17}
